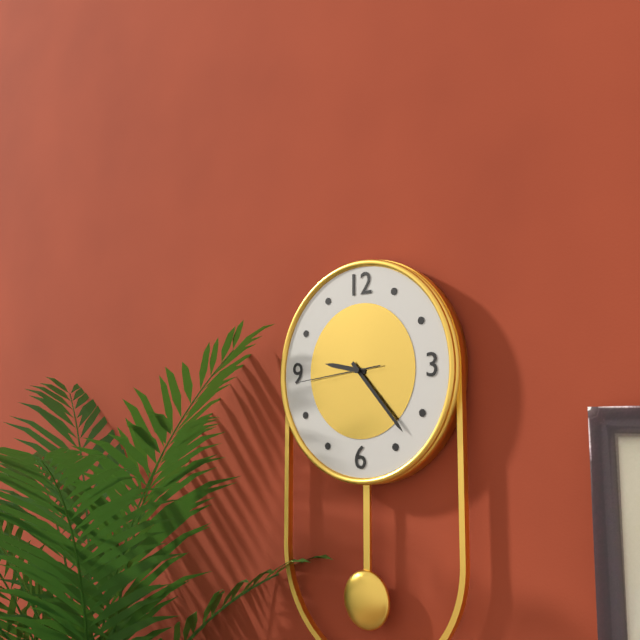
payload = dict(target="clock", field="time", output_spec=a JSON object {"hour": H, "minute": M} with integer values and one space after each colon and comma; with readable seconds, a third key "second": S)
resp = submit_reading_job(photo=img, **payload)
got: {"hour": 9, "minute": 23, "second": 44}
